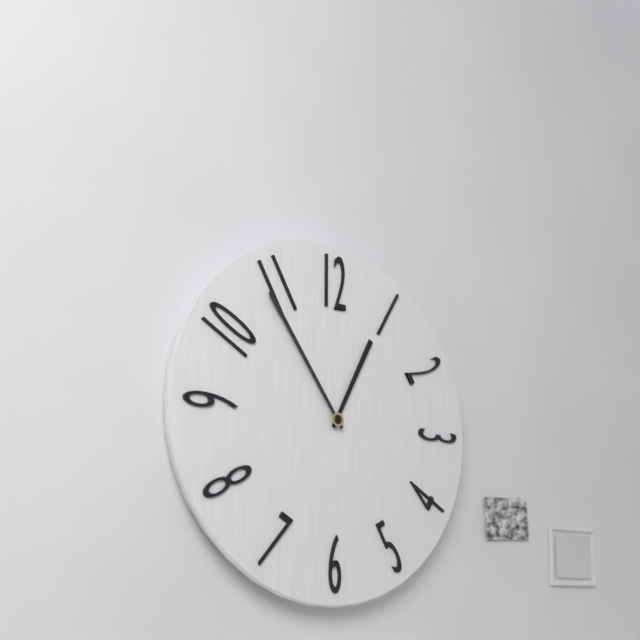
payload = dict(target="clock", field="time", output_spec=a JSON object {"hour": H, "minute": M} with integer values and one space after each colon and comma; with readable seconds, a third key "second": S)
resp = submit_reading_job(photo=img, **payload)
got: {"hour": 12, "minute": 54}
